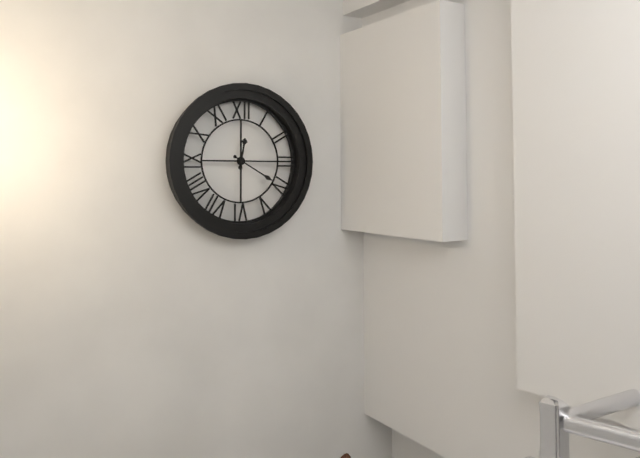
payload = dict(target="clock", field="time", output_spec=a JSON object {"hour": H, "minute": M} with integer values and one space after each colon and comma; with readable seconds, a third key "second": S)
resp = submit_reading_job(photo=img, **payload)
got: {"hour": 12, "minute": 20}
